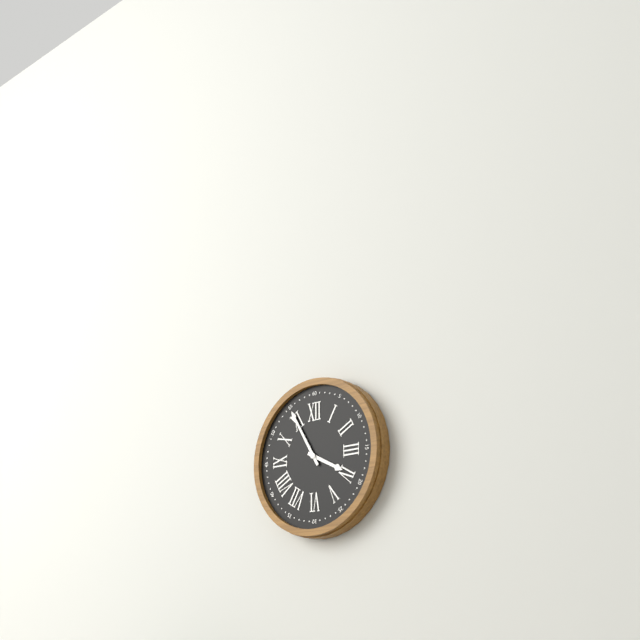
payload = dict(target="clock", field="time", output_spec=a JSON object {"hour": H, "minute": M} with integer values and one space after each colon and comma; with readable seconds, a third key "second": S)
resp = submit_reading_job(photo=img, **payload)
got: {"hour": 3, "minute": 55}
